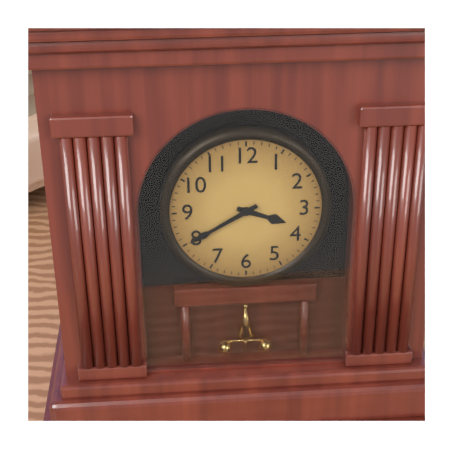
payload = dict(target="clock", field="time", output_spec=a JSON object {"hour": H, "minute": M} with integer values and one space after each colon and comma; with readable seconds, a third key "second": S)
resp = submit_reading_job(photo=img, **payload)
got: {"hour": 3, "minute": 40}
